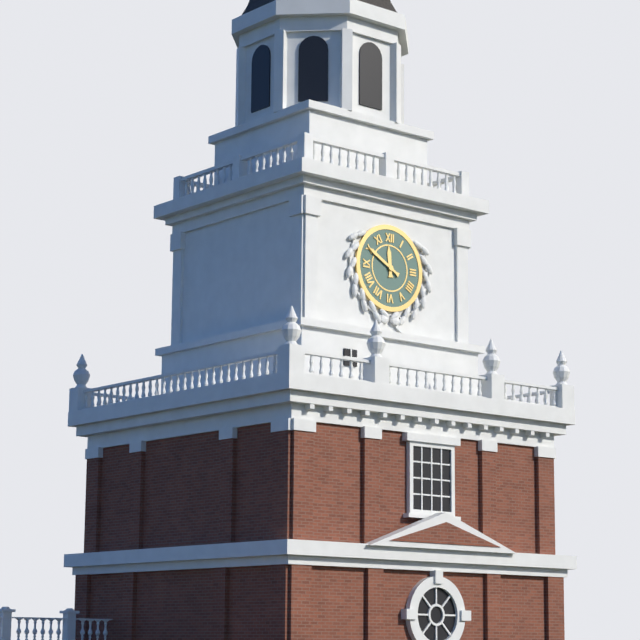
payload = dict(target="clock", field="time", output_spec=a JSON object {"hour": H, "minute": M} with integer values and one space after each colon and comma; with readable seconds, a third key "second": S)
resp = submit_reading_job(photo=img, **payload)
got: {"hour": 11, "minute": 50}
